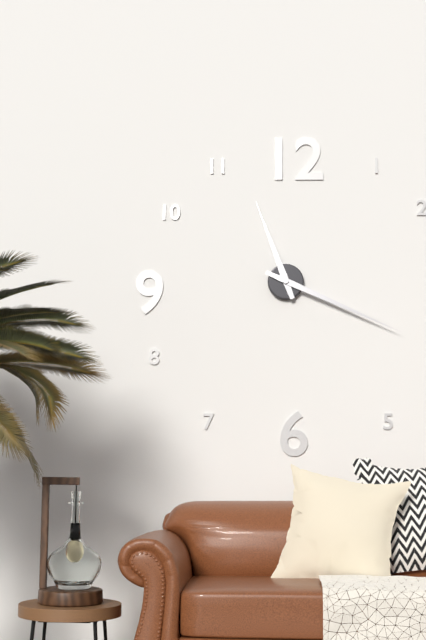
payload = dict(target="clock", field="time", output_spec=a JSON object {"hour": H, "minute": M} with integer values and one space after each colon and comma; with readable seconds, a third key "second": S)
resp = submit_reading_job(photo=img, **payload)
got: {"hour": 11, "minute": 19}
